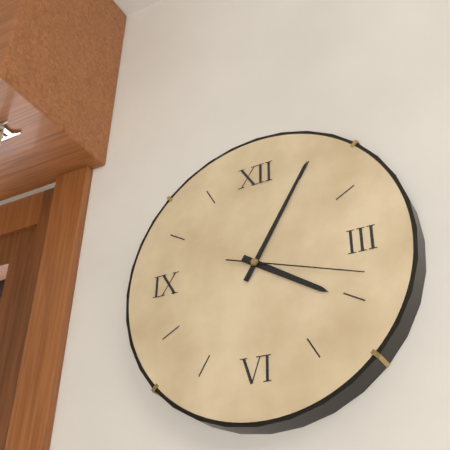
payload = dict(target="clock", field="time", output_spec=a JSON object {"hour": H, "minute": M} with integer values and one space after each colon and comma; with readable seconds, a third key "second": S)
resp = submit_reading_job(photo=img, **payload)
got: {"hour": 4, "minute": 5, "second": 18}
